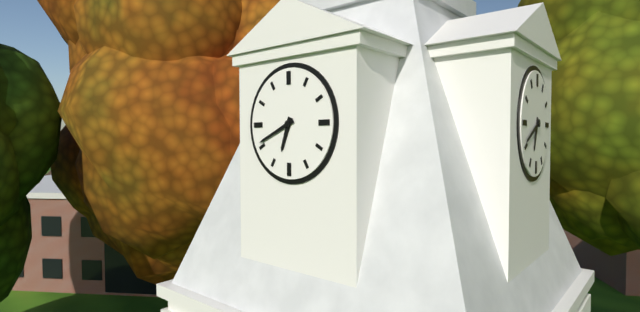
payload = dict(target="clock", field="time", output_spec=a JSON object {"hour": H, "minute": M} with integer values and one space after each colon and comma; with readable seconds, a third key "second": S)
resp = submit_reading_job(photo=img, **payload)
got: {"hour": 6, "minute": 41}
